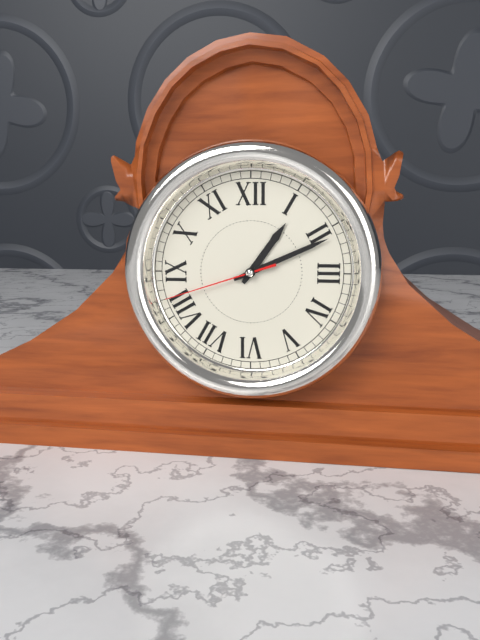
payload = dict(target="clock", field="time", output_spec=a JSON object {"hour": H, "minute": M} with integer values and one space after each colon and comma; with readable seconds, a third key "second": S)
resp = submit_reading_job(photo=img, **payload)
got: {"hour": 1, "minute": 11, "second": 42}
